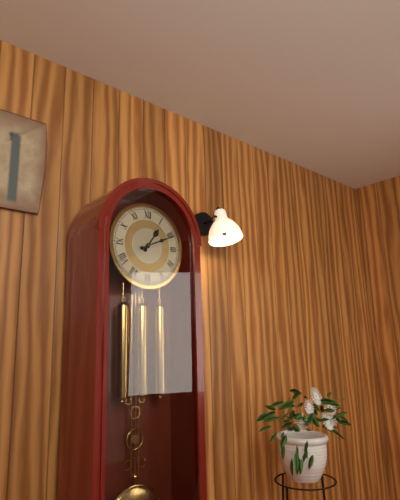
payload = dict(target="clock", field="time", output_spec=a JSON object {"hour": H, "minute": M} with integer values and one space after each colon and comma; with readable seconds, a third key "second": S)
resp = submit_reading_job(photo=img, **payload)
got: {"hour": 1, "minute": 11}
